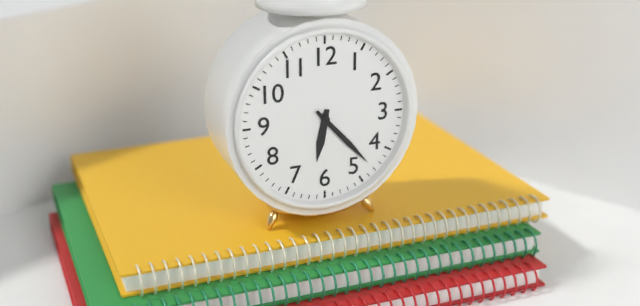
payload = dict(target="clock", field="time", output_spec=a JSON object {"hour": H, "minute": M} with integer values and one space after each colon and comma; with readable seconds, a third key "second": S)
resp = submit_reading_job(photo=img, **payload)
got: {"hour": 6, "minute": 23}
